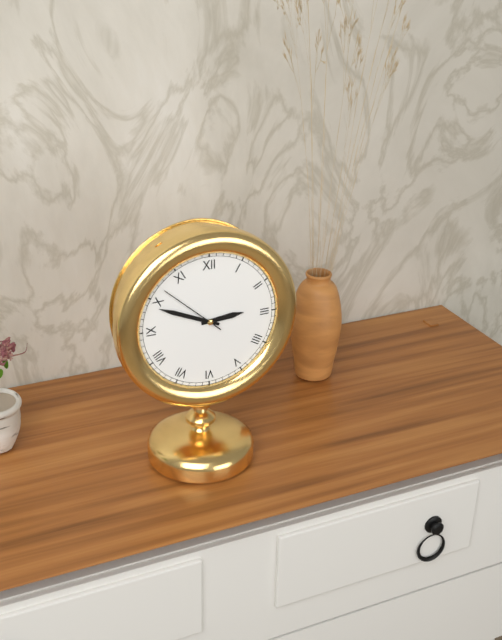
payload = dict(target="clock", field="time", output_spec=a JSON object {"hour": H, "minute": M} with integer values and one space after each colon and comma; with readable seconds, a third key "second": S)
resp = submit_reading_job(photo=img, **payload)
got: {"hour": 2, "minute": 49, "second": 52}
